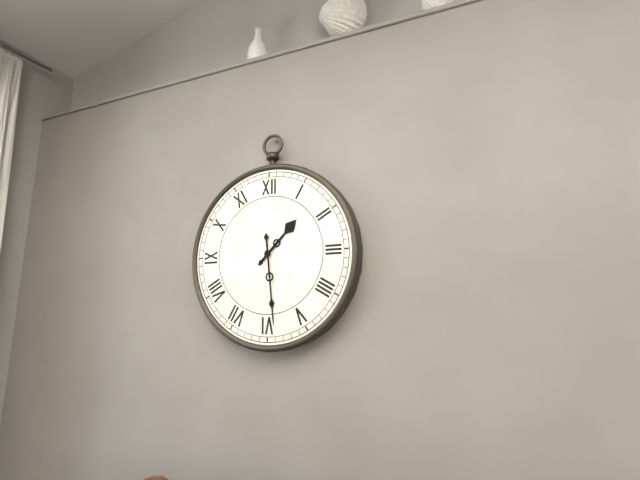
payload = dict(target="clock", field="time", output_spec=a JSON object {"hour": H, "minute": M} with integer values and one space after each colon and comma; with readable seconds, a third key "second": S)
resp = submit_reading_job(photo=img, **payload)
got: {"hour": 1, "minute": 29}
